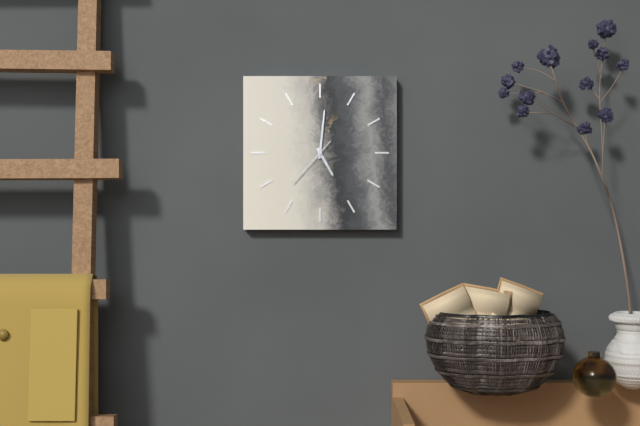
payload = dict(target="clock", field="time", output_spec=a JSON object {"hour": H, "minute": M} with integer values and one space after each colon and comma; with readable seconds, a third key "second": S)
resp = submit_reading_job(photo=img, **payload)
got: {"hour": 5, "minute": 1, "second": 37}
